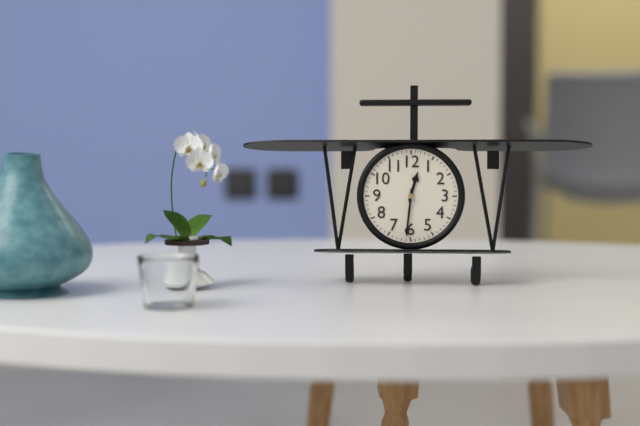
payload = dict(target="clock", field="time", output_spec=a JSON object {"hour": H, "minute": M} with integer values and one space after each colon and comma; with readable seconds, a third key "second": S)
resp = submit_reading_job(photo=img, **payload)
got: {"hour": 12, "minute": 31}
